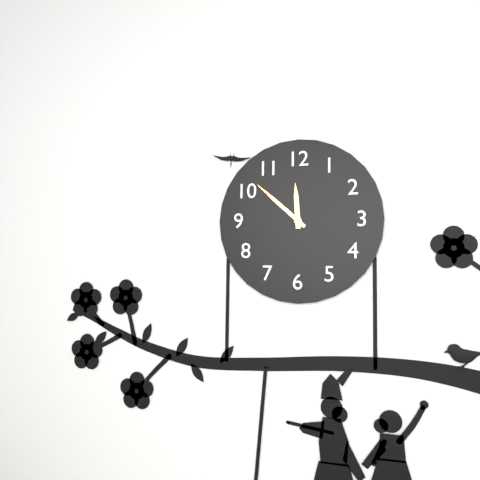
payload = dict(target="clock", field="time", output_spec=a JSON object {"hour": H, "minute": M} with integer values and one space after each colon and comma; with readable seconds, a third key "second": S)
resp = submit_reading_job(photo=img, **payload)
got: {"hour": 11, "minute": 52}
